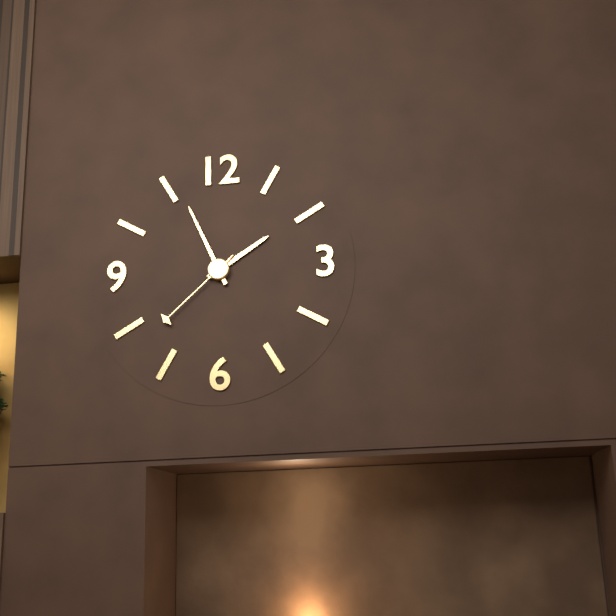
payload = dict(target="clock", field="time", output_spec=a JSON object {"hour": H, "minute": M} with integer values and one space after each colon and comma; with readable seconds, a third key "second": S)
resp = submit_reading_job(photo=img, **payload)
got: {"hour": 1, "minute": 56, "second": 38}
